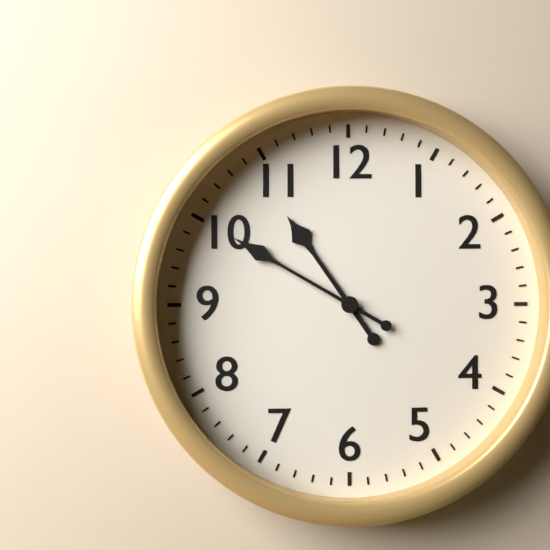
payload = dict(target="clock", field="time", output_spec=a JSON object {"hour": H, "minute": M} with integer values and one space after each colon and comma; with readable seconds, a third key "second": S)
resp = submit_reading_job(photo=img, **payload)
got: {"hour": 10, "minute": 50}
